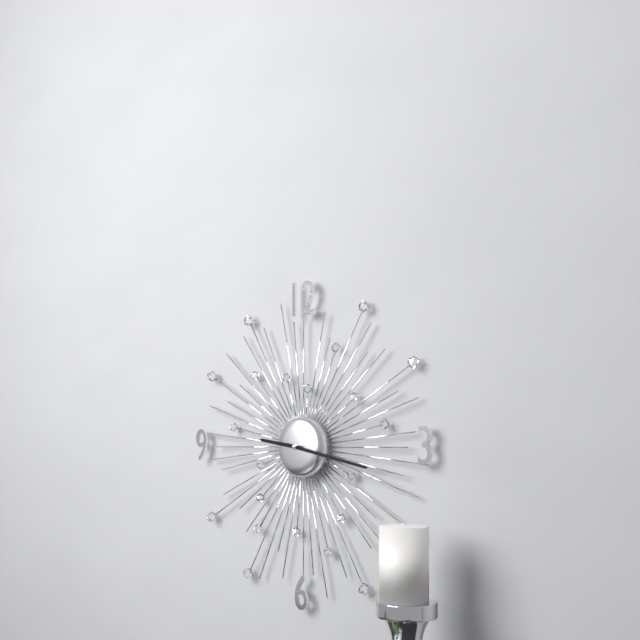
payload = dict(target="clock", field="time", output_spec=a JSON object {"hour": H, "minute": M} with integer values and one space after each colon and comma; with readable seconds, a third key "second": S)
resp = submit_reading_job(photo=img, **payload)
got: {"hour": 9, "minute": 17}
